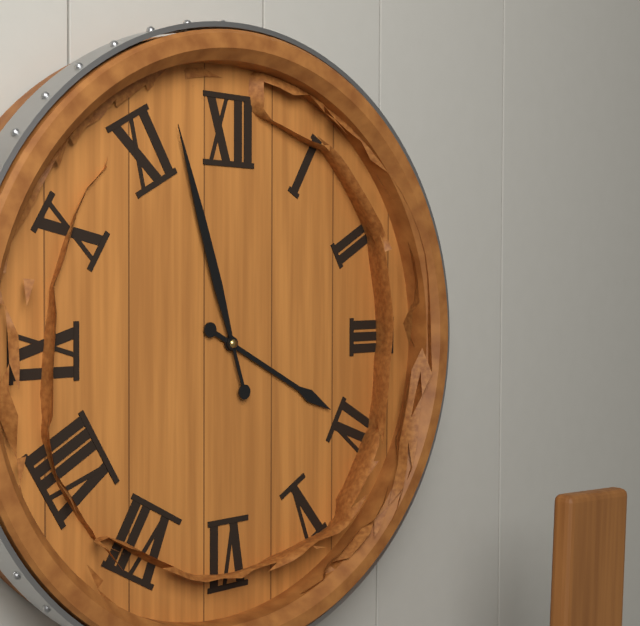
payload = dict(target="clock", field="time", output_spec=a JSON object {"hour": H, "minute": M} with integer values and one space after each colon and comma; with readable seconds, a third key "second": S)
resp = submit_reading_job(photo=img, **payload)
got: {"hour": 3, "minute": 57}
